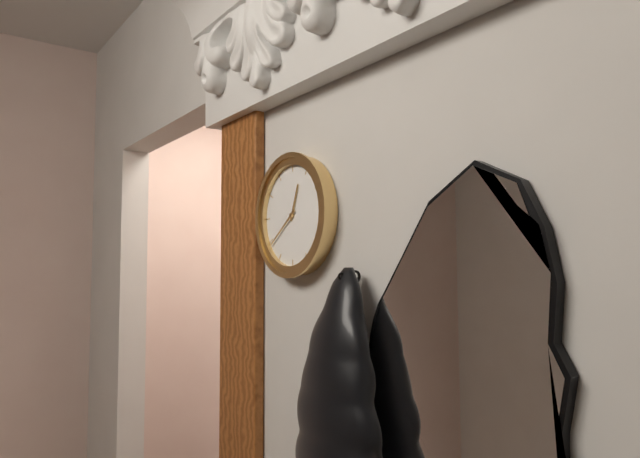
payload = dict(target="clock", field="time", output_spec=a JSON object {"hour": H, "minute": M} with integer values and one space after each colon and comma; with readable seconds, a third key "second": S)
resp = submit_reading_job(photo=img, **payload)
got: {"hour": 12, "minute": 39}
